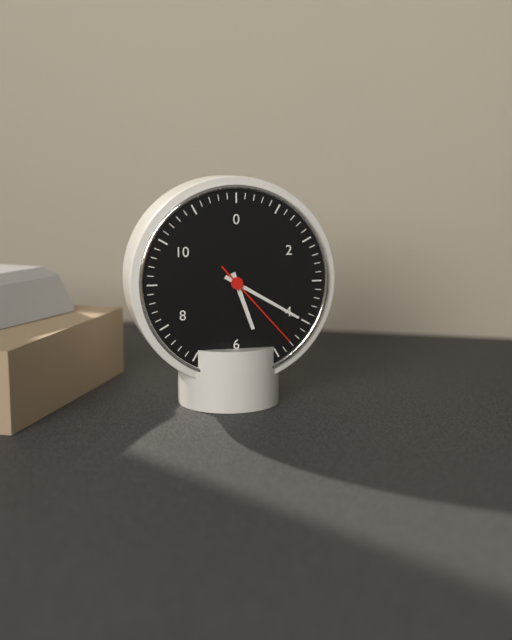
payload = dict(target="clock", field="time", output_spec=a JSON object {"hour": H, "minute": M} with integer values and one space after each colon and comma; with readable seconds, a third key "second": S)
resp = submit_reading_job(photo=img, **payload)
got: {"hour": 5, "minute": 20, "second": 23}
